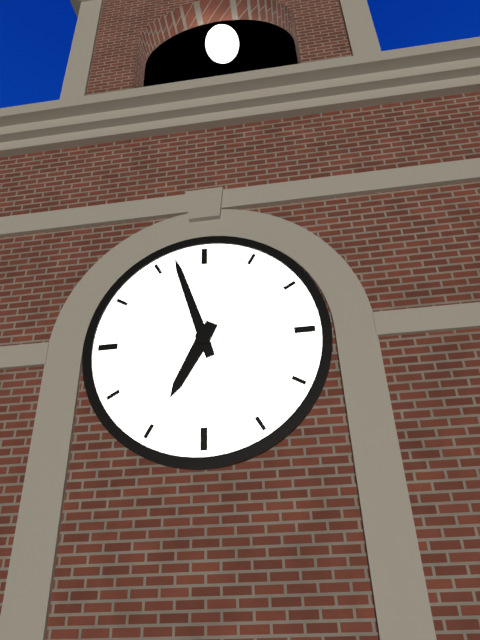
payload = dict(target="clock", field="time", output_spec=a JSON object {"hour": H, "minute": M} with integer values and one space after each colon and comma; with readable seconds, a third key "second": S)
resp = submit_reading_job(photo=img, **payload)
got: {"hour": 6, "minute": 57}
